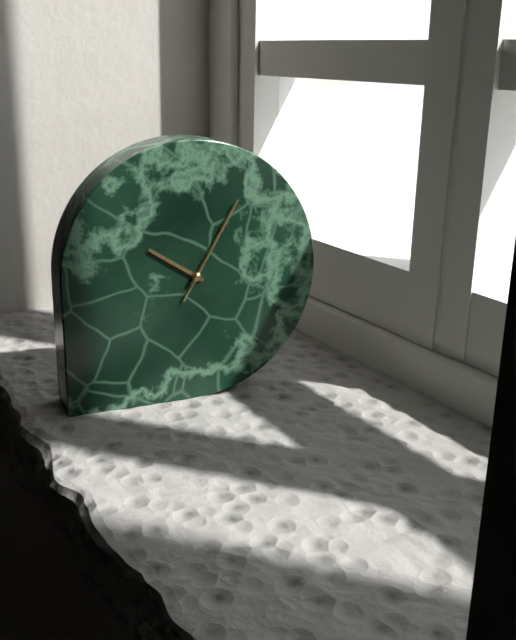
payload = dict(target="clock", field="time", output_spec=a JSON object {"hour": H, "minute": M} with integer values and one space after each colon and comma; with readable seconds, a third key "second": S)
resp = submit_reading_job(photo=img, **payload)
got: {"hour": 10, "minute": 5, "second": 5}
